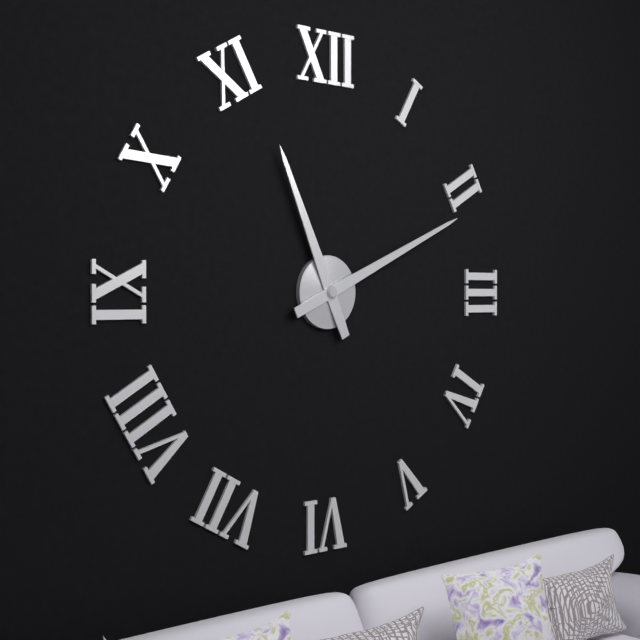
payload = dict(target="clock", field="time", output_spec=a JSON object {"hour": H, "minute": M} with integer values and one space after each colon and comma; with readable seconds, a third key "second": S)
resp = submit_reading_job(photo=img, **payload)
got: {"hour": 11, "minute": 11}
